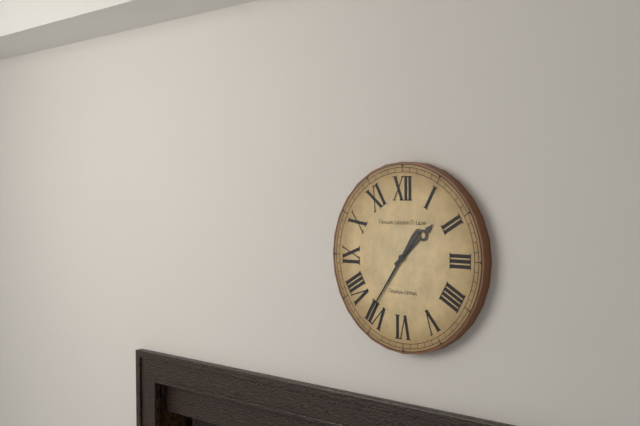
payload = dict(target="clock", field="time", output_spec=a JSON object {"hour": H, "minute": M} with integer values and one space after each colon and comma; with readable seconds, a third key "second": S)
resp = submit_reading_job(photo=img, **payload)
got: {"hour": 1, "minute": 36}
